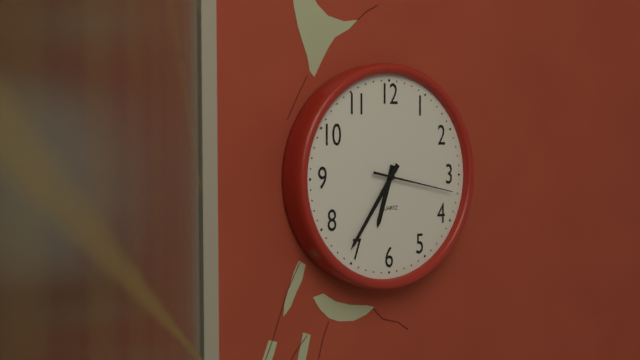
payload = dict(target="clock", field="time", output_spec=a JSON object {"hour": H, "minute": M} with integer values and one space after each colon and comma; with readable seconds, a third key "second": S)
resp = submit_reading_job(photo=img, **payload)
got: {"hour": 6, "minute": 36, "second": 17}
